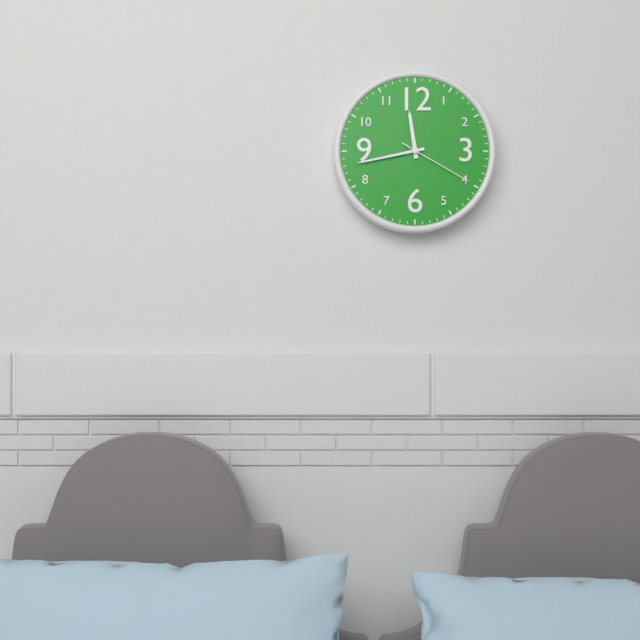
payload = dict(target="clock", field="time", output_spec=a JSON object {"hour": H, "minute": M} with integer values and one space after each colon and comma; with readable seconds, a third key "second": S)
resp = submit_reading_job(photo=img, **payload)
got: {"hour": 11, "minute": 43, "second": 20}
